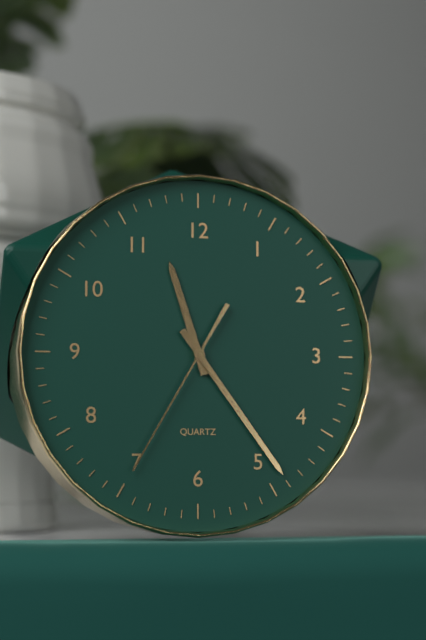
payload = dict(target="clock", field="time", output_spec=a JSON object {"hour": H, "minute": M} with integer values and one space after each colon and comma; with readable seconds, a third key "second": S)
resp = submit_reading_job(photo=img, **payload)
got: {"hour": 11, "minute": 24, "second": 35}
